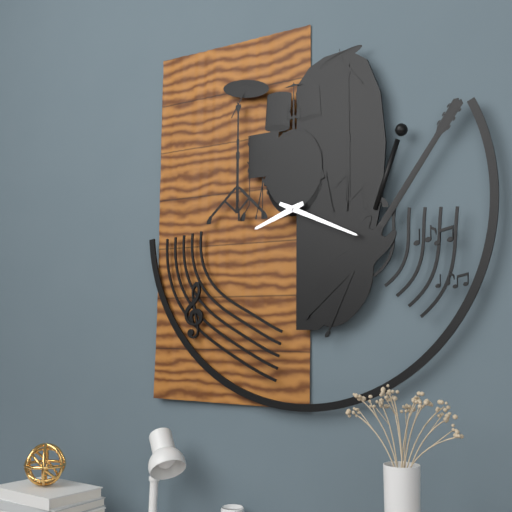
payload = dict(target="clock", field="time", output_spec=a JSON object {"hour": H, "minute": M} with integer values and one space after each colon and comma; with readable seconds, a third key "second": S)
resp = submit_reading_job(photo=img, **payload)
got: {"hour": 8, "minute": 19}
